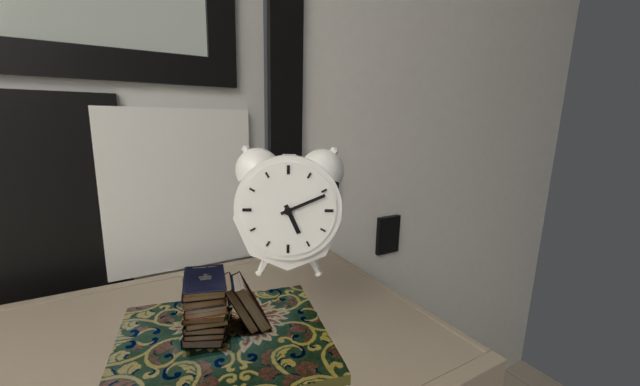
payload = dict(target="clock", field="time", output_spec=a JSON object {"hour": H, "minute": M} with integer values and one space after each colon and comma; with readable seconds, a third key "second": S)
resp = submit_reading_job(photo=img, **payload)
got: {"hour": 5, "minute": 11}
